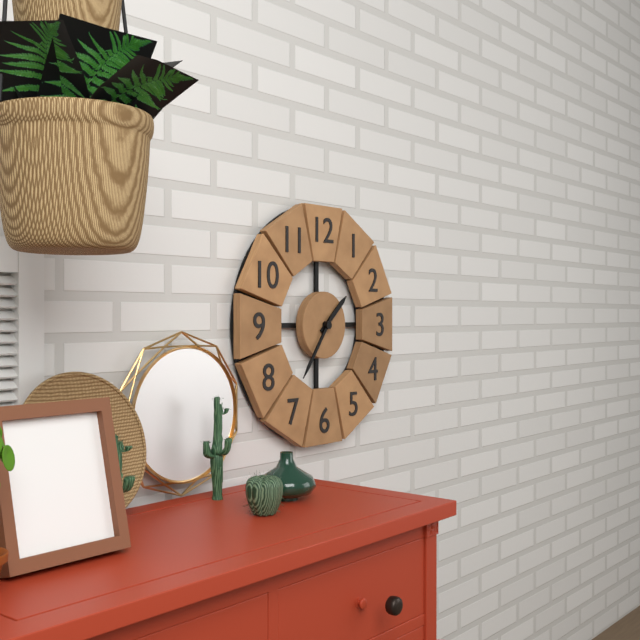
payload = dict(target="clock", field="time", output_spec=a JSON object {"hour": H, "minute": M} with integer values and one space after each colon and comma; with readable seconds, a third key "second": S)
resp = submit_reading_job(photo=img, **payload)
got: {"hour": 1, "minute": 36}
